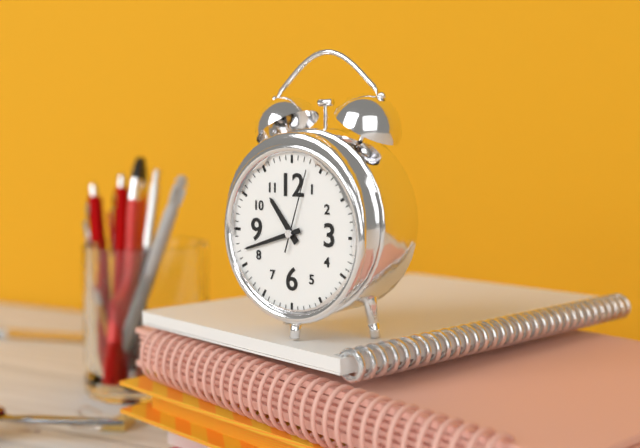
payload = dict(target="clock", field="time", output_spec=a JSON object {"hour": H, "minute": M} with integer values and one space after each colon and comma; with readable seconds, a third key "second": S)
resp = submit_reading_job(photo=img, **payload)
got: {"hour": 10, "minute": 42, "second": 3}
